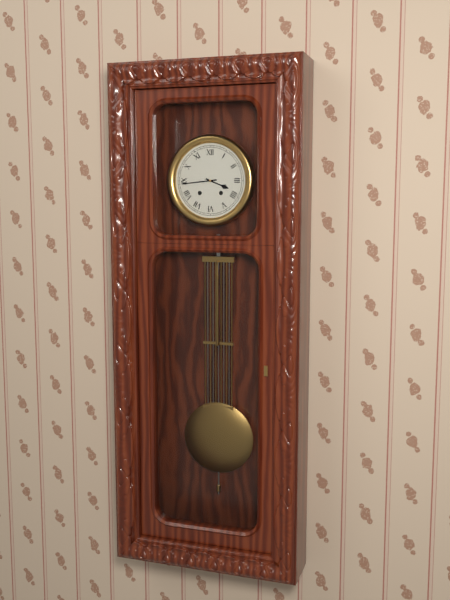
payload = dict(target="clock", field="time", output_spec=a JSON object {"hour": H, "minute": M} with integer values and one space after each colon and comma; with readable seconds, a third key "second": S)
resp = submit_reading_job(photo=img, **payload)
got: {"hour": 3, "minute": 44}
